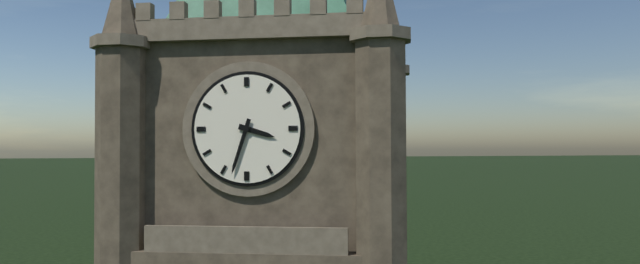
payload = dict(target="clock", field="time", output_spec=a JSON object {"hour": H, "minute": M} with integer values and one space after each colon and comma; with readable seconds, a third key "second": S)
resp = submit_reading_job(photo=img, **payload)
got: {"hour": 3, "minute": 33}
